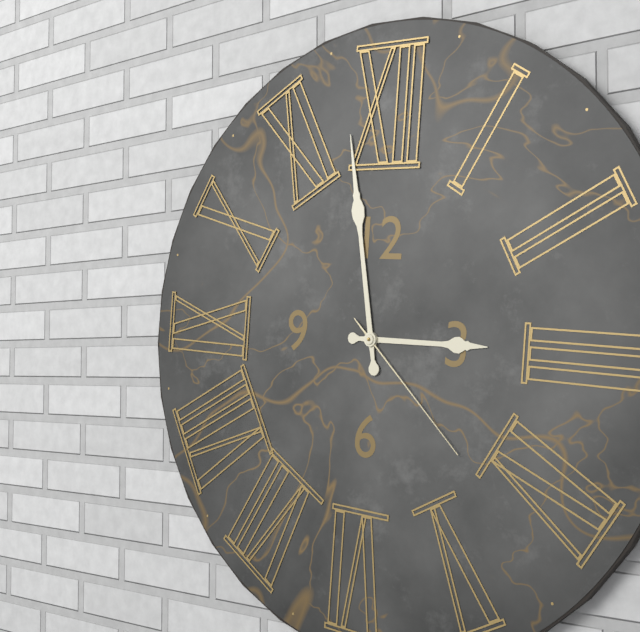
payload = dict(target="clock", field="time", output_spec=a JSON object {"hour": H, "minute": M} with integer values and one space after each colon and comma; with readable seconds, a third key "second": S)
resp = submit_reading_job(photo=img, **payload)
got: {"hour": 2, "minute": 58, "second": 22}
